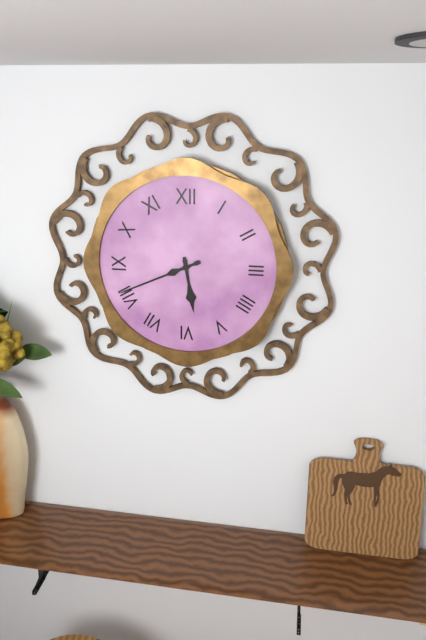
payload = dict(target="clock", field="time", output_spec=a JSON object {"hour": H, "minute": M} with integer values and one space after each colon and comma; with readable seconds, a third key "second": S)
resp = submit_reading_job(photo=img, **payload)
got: {"hour": 5, "minute": 41}
